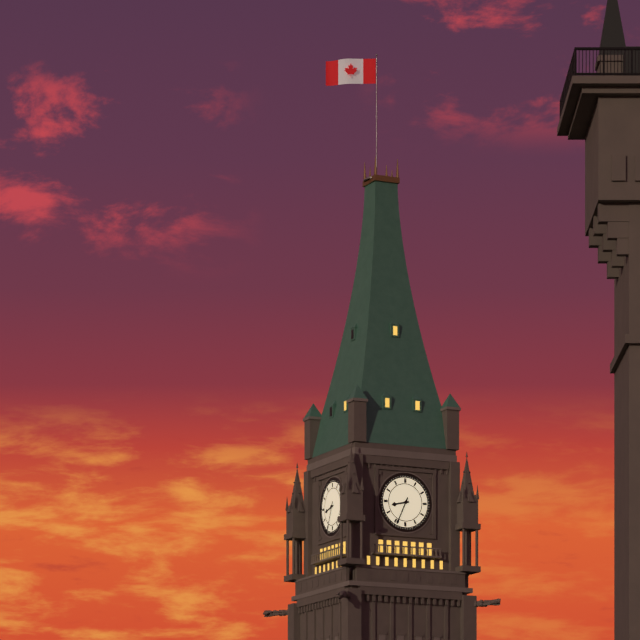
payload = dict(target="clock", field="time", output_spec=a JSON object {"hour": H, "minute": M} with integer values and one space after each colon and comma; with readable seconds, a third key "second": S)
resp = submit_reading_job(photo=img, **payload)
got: {"hour": 8, "minute": 34}
